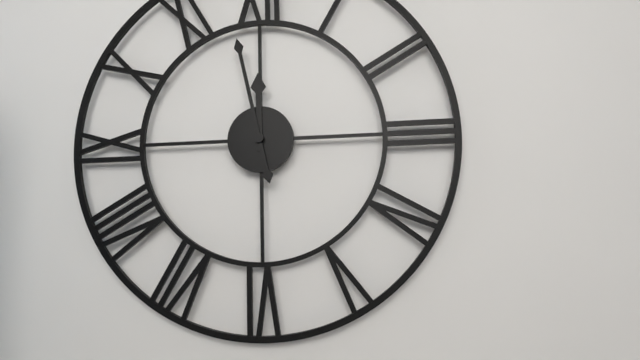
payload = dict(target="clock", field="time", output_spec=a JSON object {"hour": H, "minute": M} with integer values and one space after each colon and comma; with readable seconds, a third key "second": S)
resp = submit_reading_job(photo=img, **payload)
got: {"hour": 11, "minute": 58}
